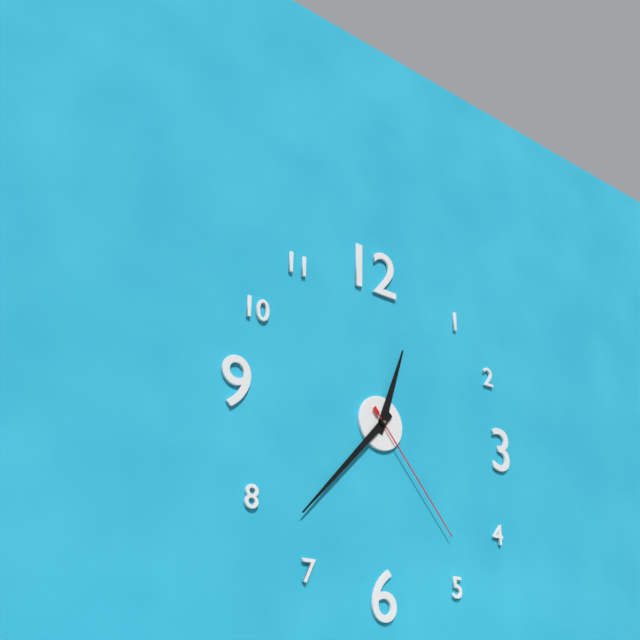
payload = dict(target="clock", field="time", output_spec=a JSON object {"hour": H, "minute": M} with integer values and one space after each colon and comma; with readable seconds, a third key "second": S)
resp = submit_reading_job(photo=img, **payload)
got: {"hour": 12, "minute": 37, "second": 23}
